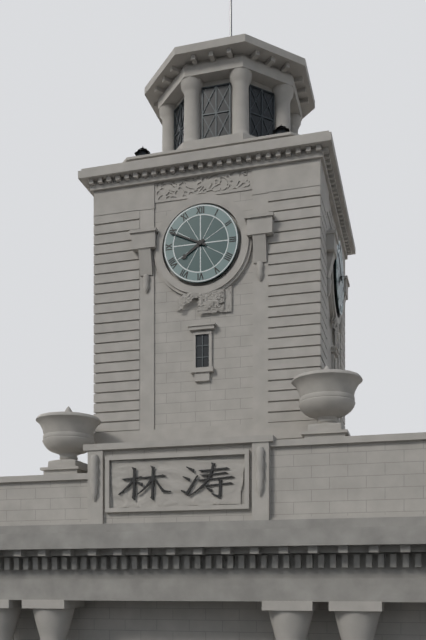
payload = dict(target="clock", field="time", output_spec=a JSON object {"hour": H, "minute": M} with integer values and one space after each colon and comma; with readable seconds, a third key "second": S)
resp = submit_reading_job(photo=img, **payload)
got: {"hour": 7, "minute": 49}
